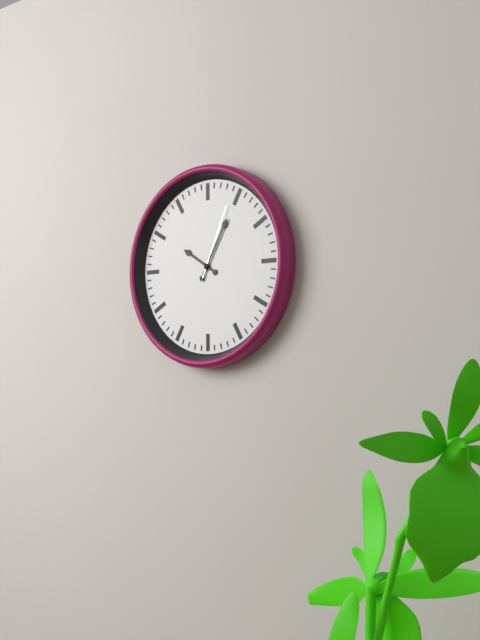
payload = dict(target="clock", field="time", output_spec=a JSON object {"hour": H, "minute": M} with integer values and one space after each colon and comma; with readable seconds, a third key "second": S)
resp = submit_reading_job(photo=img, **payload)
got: {"hour": 10, "minute": 5, "second": 4}
